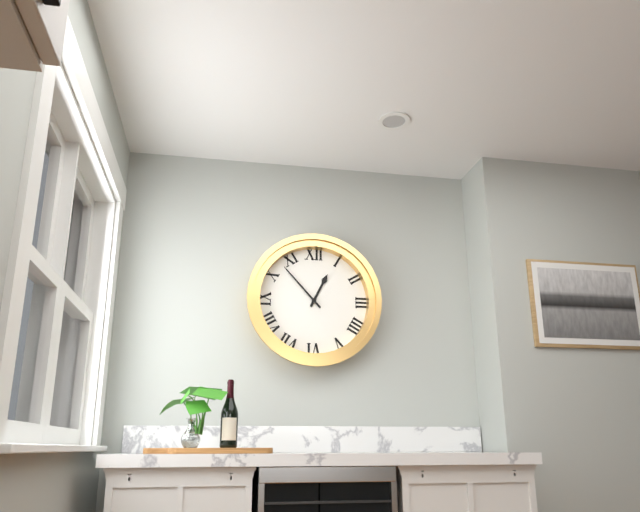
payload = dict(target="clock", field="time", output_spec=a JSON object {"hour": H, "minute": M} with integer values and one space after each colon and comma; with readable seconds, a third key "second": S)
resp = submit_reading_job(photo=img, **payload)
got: {"hour": 12, "minute": 53}
